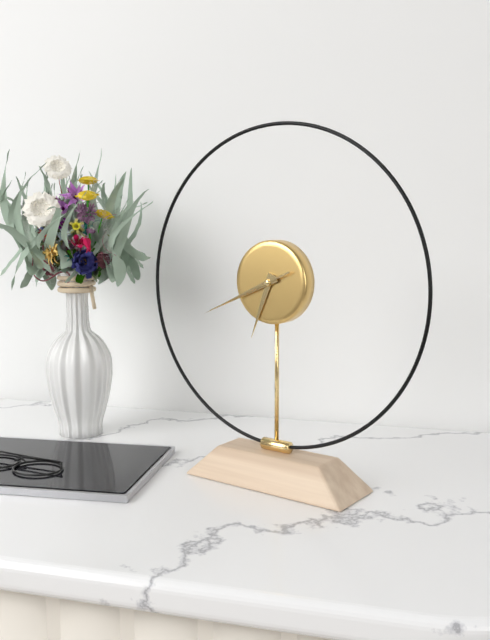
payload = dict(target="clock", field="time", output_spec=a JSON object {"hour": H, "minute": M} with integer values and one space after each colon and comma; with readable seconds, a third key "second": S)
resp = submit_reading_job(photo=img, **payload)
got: {"hour": 6, "minute": 41, "second": 41}
